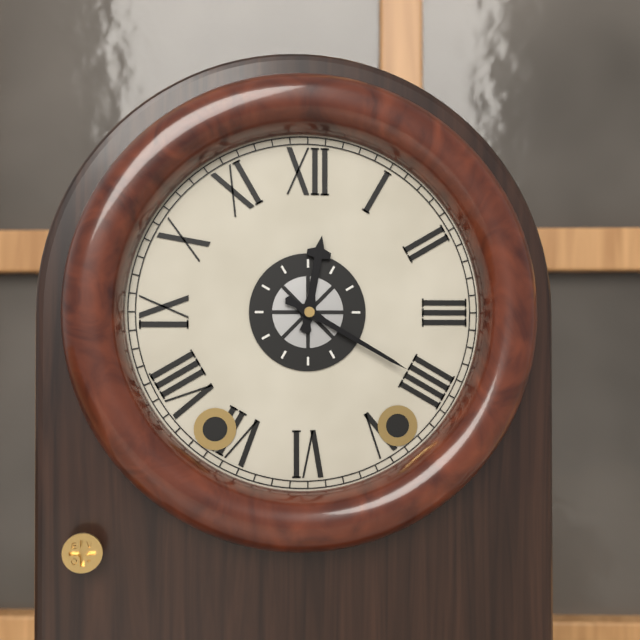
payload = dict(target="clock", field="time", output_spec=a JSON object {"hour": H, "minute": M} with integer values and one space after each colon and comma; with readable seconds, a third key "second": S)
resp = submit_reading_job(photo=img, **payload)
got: {"hour": 12, "minute": 20}
